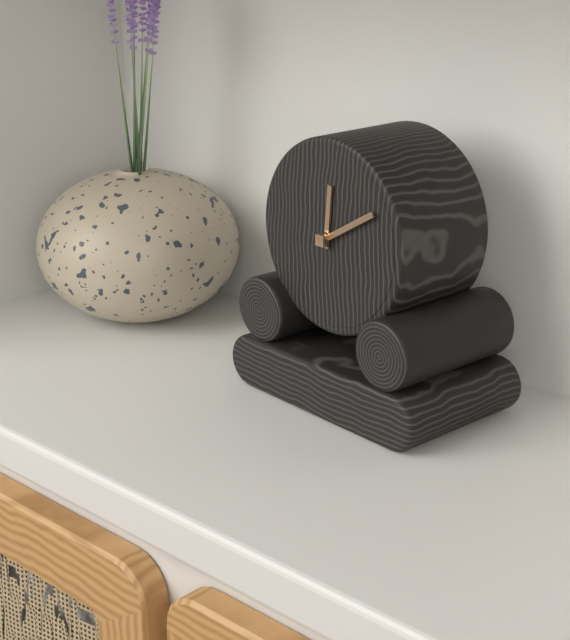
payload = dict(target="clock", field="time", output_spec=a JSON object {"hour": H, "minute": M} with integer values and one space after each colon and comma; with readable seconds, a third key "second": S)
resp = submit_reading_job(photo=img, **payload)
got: {"hour": 12, "minute": 10}
